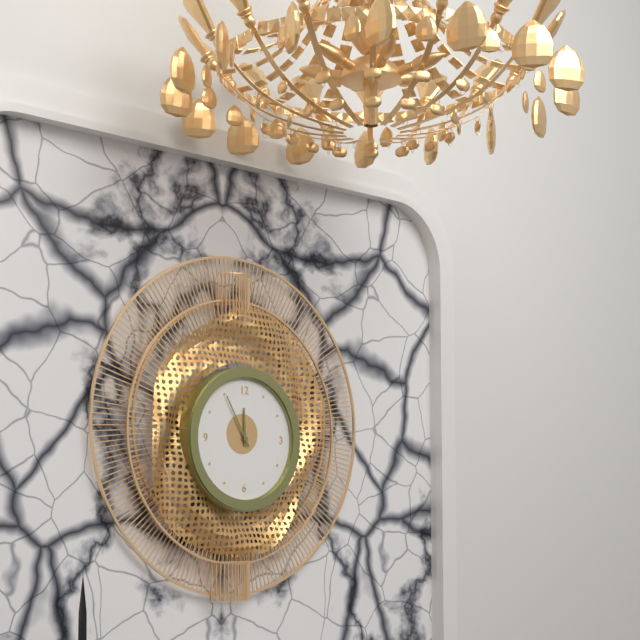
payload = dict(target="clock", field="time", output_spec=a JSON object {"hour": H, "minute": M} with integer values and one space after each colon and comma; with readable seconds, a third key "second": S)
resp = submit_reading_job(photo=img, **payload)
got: {"hour": 11, "minute": 55}
